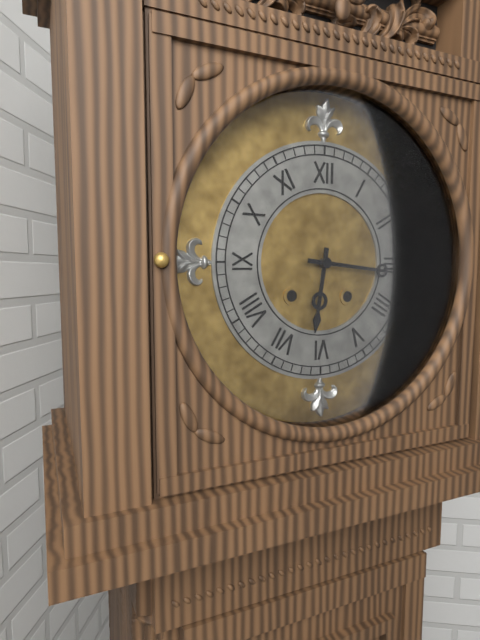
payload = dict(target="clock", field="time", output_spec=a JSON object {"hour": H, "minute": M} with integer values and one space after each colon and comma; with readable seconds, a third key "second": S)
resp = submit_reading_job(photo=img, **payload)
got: {"hour": 6, "minute": 16}
